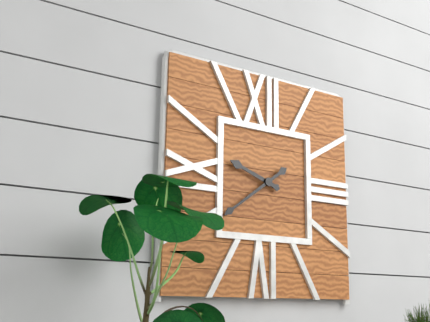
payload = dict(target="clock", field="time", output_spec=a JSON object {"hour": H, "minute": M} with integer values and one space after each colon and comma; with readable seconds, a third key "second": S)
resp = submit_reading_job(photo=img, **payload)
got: {"hour": 9, "minute": 39}
